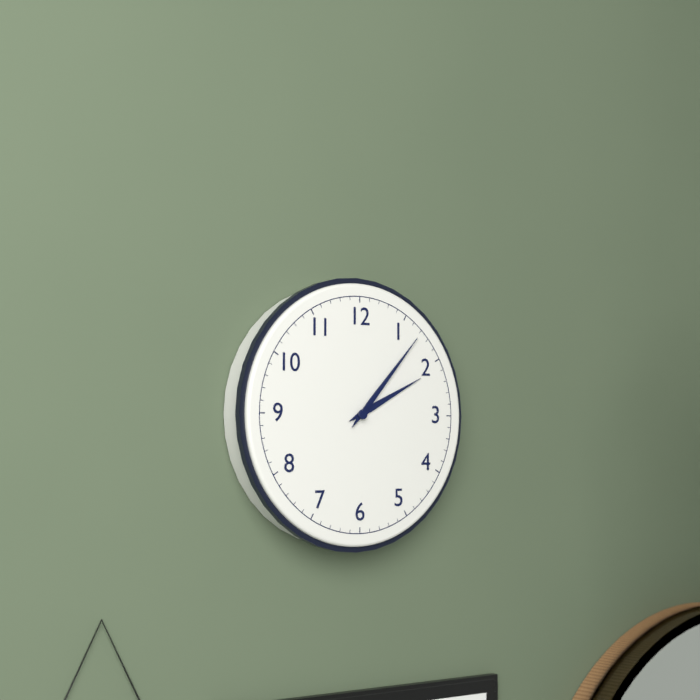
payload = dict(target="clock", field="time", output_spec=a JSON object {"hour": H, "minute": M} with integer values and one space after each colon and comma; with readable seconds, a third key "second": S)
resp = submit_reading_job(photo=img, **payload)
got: {"hour": 2, "minute": 7}
